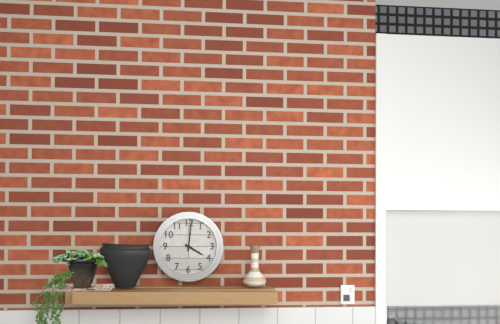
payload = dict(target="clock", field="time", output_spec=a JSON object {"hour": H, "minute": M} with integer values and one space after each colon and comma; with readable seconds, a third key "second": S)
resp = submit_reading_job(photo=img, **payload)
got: {"hour": 4, "minute": 1}
